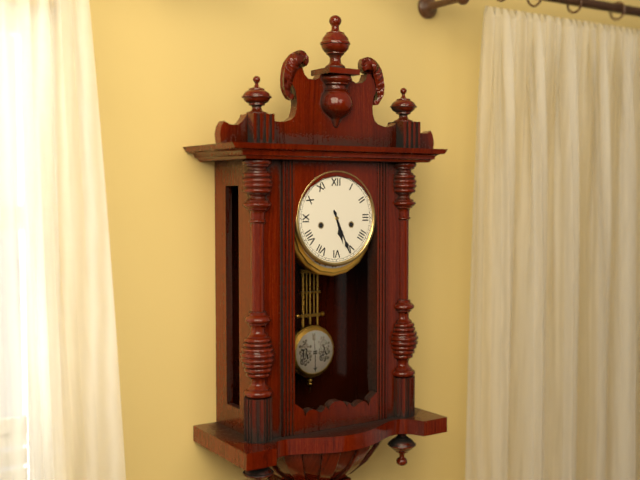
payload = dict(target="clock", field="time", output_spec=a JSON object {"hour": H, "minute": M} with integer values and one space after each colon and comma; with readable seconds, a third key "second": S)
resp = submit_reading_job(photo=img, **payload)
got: {"hour": 5, "minute": 26}
